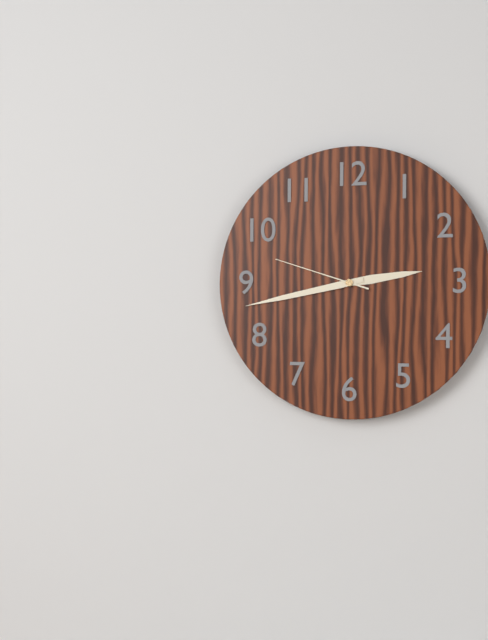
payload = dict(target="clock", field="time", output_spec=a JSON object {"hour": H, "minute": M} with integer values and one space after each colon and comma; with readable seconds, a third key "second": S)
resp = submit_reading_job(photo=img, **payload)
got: {"hour": 2, "minute": 43, "second": 48}
